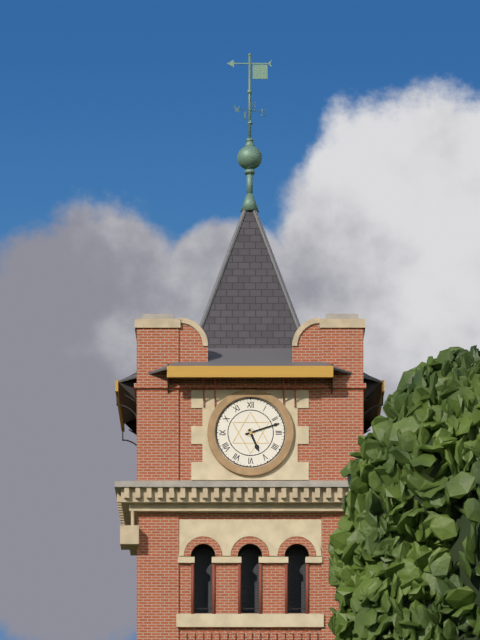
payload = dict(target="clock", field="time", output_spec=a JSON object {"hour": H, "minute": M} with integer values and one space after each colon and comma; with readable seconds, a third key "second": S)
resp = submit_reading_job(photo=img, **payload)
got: {"hour": 5, "minute": 12}
